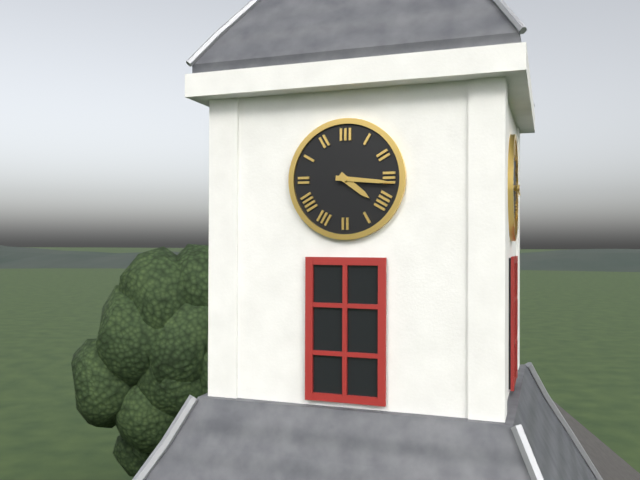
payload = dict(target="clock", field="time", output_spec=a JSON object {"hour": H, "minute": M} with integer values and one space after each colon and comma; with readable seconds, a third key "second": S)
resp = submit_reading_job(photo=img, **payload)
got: {"hour": 4, "minute": 16}
